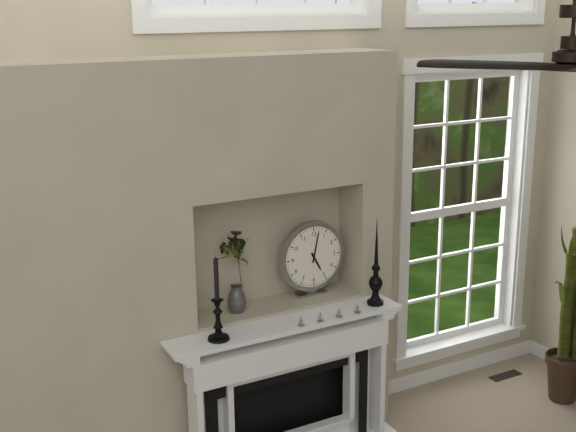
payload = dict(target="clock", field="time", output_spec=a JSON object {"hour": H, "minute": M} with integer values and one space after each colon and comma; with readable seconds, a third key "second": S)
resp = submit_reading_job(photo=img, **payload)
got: {"hour": 5, "minute": 2}
